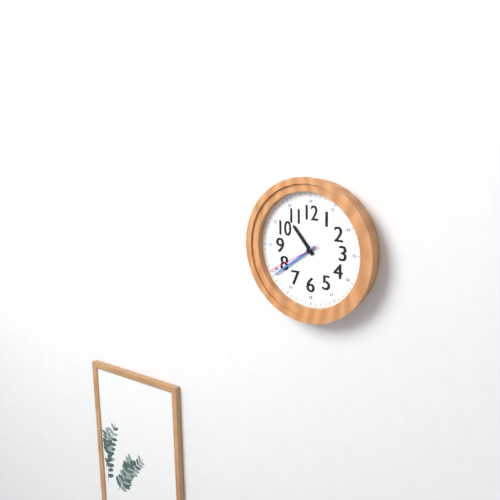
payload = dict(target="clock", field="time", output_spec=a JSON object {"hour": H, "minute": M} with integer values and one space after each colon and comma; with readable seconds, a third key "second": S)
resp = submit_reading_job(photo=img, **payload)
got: {"hour": 10, "minute": 39, "second": 40}
